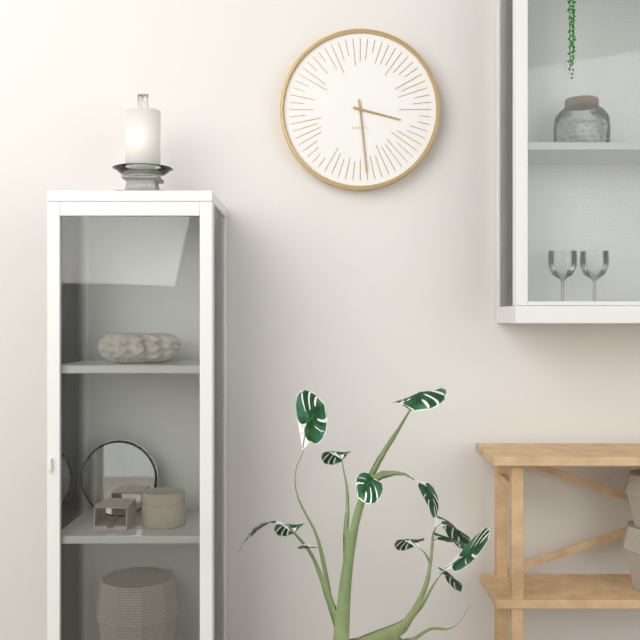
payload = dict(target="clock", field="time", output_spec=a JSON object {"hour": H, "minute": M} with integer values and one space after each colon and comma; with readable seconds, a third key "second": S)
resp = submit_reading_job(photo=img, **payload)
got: {"hour": 3, "minute": 29}
